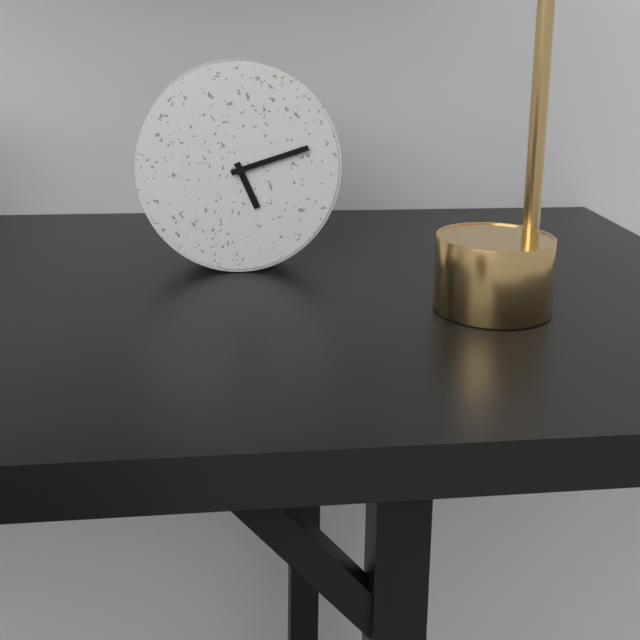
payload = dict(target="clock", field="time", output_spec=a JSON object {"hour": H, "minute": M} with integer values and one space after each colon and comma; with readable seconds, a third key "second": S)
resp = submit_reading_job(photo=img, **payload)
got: {"hour": 5, "minute": 12}
